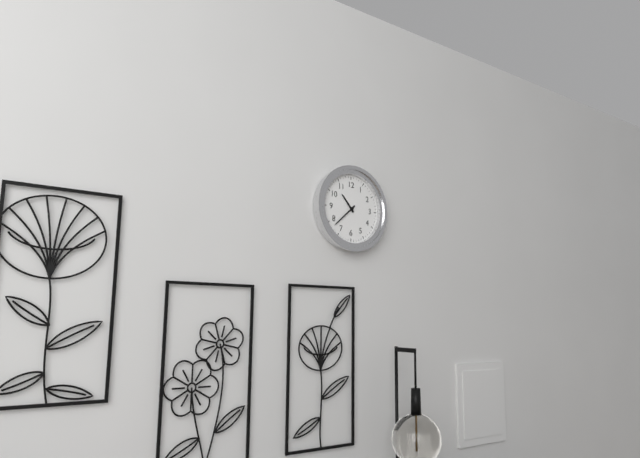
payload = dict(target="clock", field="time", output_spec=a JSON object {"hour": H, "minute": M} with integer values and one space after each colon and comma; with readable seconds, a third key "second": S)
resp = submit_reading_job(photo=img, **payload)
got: {"hour": 10, "minute": 38}
